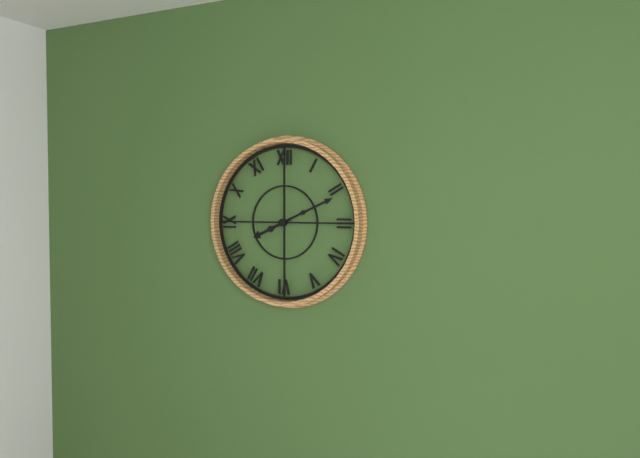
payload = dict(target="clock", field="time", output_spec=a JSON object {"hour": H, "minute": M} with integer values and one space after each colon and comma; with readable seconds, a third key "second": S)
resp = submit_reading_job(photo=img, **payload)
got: {"hour": 8, "minute": 11}
